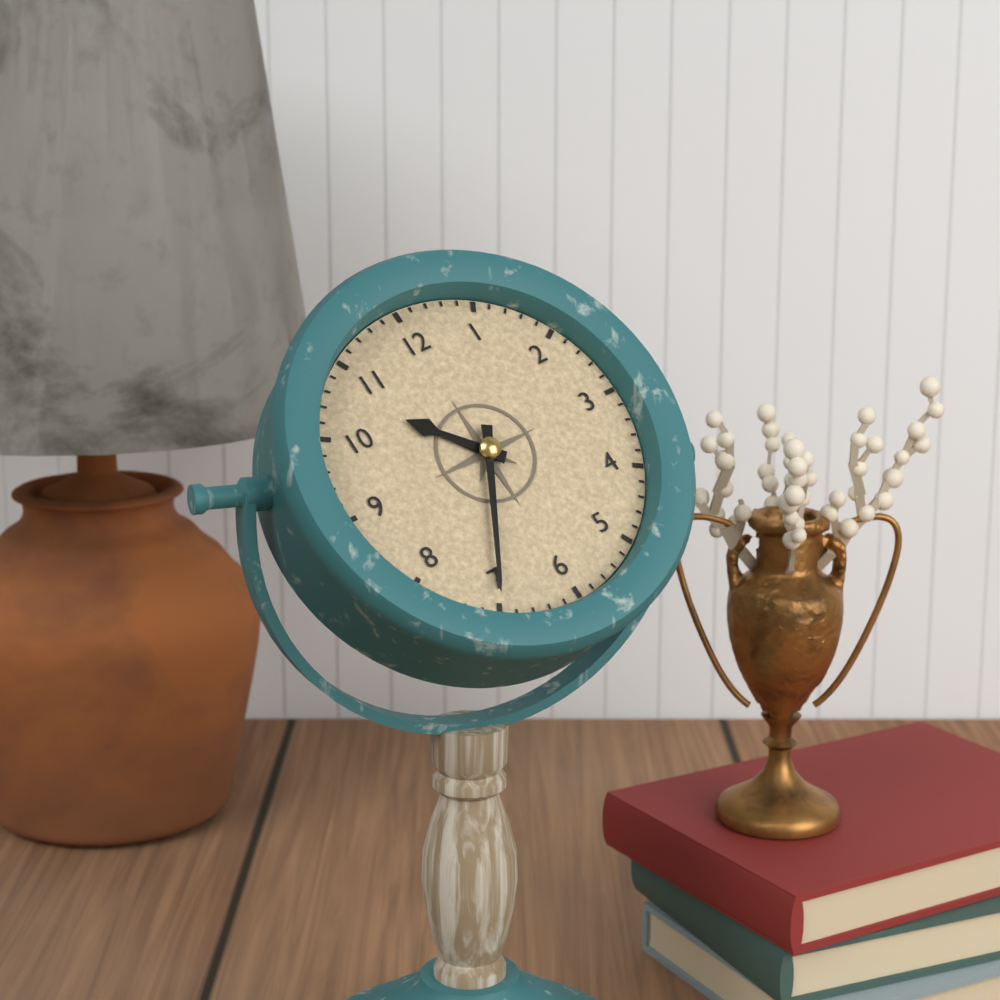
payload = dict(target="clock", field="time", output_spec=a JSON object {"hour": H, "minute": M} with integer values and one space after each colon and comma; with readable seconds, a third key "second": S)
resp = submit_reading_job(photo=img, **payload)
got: {"hour": 10, "minute": 35}
